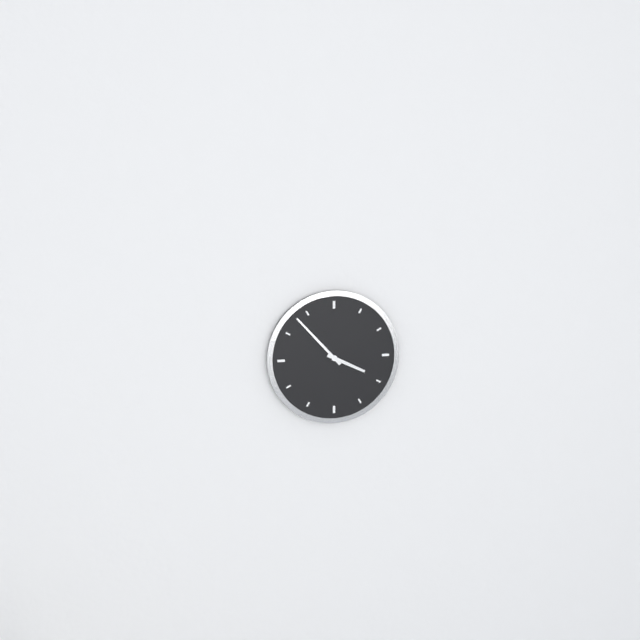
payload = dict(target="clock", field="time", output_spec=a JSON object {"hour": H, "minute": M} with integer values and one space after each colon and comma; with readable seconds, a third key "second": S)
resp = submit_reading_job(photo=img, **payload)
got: {"hour": 3, "minute": 53}
